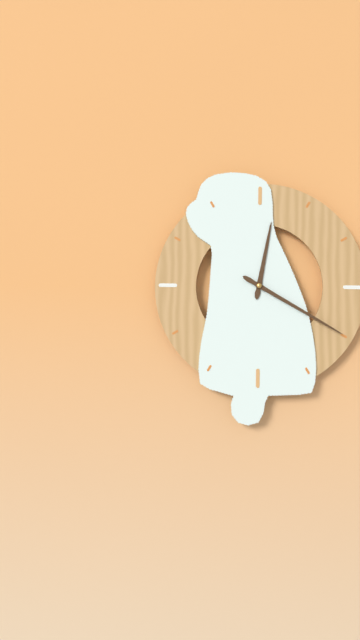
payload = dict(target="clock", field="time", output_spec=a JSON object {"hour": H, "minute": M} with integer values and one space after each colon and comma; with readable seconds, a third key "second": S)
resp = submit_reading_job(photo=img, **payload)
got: {"hour": 12, "minute": 20}
